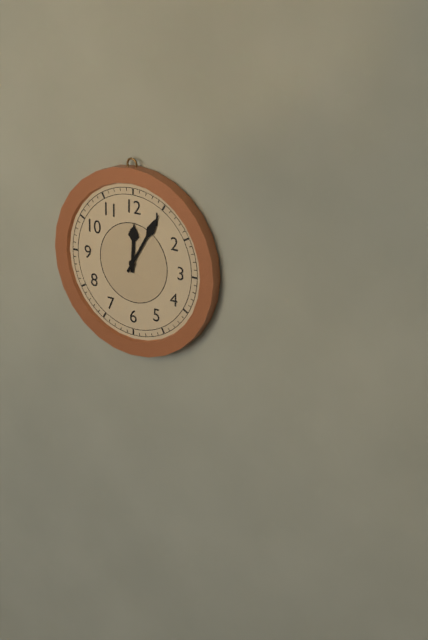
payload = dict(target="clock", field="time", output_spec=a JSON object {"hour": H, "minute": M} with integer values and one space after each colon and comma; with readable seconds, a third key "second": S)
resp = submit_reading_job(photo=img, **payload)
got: {"hour": 12, "minute": 5}
